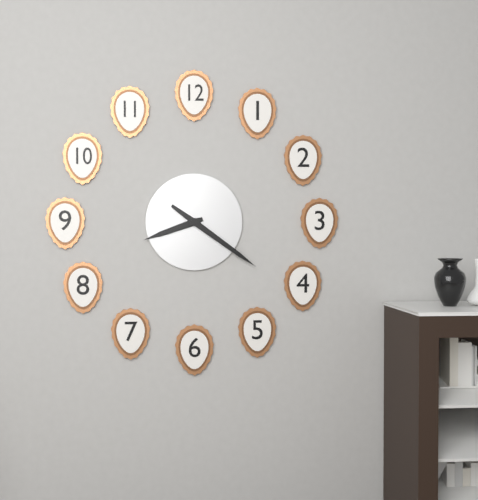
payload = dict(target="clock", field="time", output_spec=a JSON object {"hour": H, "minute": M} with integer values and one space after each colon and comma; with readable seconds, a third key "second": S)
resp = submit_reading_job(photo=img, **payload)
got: {"hour": 8, "minute": 21}
